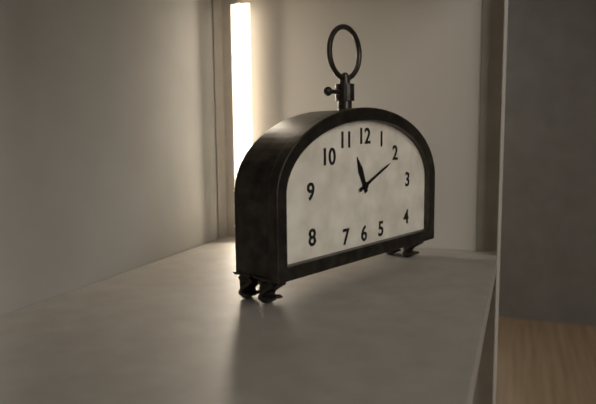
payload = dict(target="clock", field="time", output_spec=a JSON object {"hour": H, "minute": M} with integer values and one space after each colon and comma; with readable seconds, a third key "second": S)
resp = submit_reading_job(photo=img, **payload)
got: {"hour": 11, "minute": 11}
